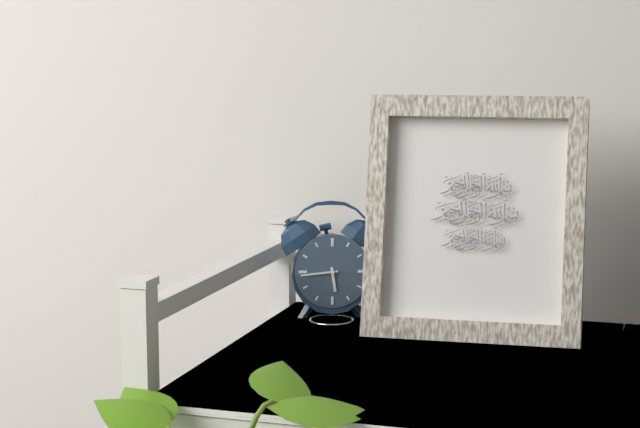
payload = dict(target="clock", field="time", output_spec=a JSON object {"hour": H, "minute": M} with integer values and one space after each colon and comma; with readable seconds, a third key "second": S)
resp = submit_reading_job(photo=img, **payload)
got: {"hour": 5, "minute": 44}
